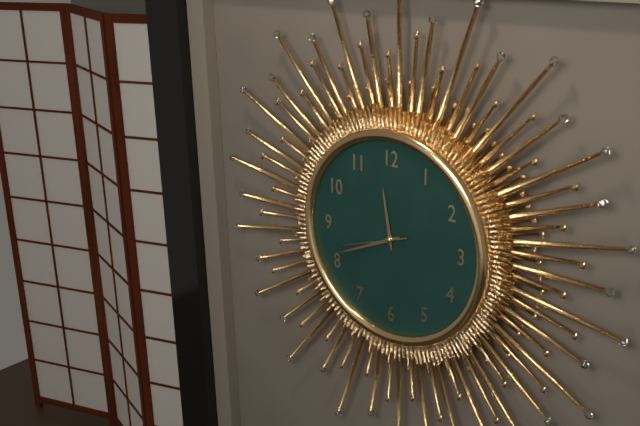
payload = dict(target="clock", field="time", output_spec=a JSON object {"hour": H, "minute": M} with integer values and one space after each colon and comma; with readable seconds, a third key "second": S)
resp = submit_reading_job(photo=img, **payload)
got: {"hour": 11, "minute": 41, "second": 42}
